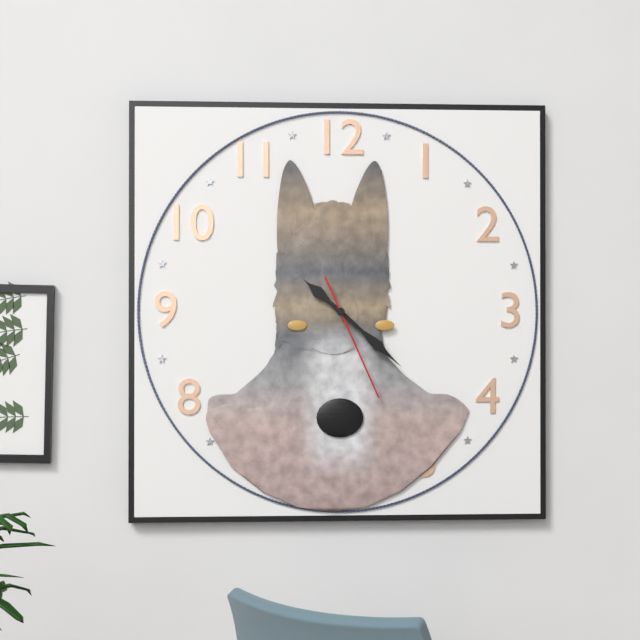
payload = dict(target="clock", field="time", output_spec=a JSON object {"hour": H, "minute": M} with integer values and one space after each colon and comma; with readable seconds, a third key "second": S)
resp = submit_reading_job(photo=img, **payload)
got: {"hour": 10, "minute": 22, "second": 26}
